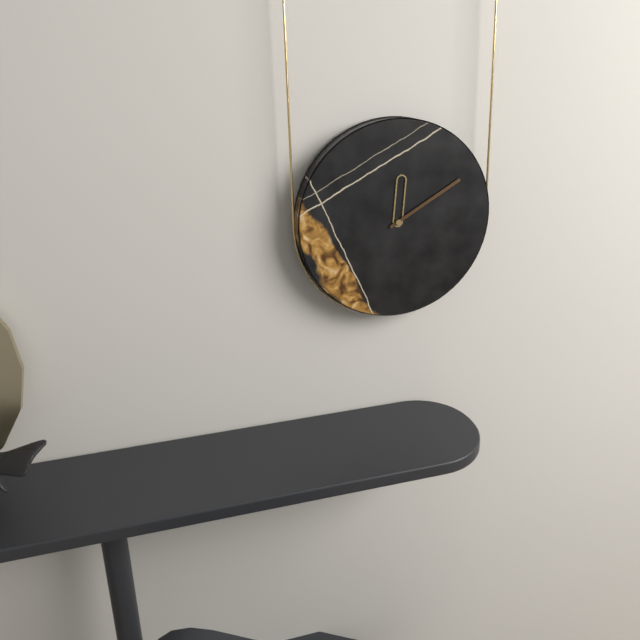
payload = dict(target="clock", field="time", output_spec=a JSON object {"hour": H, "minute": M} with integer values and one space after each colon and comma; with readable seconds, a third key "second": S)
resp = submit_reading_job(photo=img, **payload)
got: {"hour": 12, "minute": 10}
